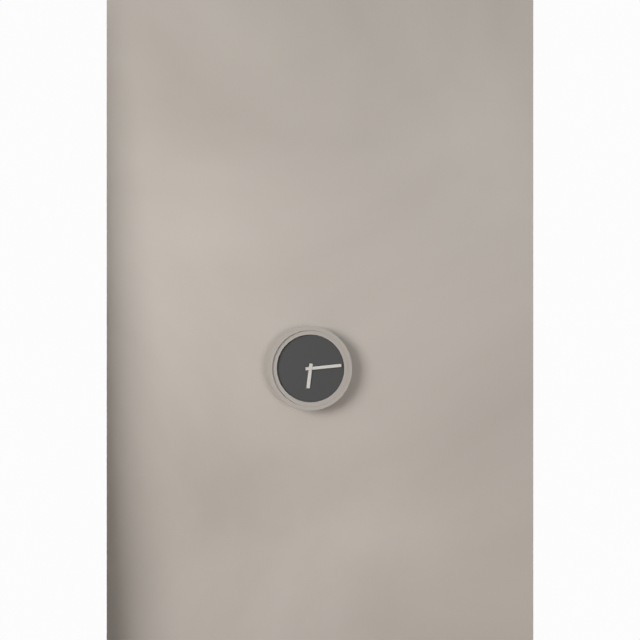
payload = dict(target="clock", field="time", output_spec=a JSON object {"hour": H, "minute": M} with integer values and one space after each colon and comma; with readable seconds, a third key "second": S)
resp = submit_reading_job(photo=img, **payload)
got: {"hour": 6, "minute": 14}
